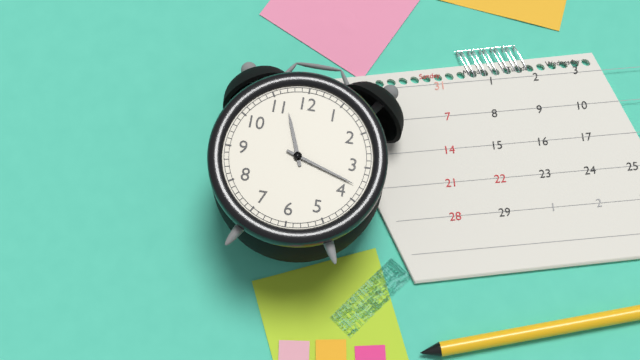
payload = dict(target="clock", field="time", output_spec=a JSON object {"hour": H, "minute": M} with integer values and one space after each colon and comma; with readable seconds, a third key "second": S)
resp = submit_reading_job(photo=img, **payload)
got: {"hour": 11, "minute": 18}
